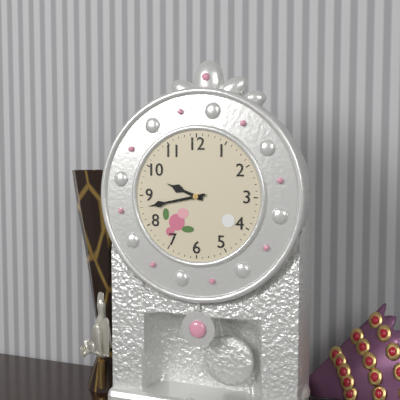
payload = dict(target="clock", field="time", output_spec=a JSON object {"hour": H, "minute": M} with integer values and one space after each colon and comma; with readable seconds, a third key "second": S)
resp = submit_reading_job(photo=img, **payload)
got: {"hour": 9, "minute": 43}
